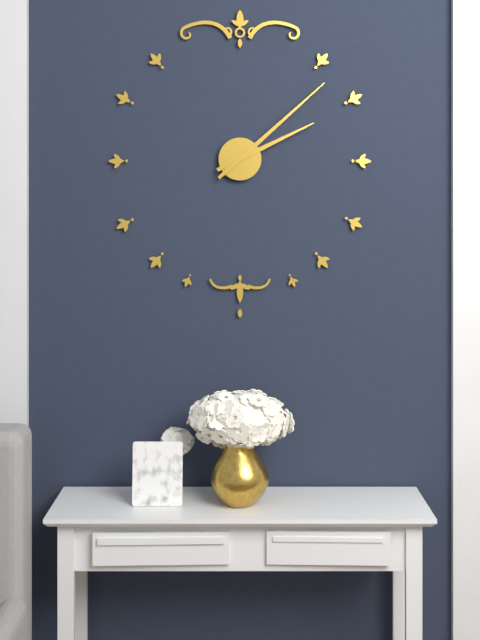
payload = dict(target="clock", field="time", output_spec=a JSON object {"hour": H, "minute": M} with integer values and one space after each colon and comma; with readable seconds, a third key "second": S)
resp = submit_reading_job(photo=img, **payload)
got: {"hour": 2, "minute": 8}
